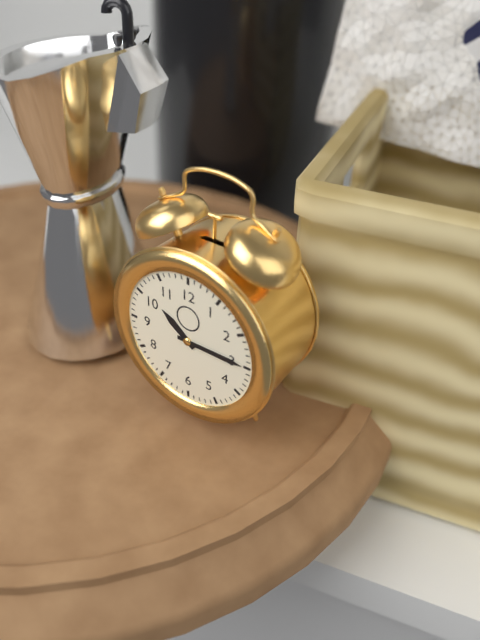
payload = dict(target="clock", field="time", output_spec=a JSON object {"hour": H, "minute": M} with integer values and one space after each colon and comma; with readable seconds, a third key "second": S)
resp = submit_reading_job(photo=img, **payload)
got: {"hour": 10, "minute": 15}
